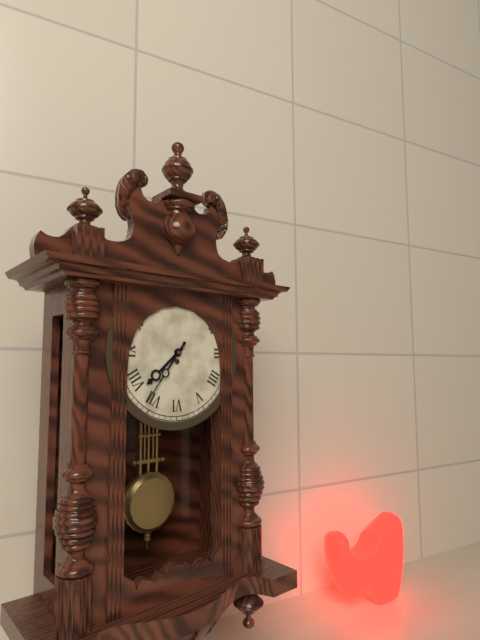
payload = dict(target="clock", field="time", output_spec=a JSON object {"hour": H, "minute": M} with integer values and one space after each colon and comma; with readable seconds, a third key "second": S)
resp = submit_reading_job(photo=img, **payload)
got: {"hour": 7, "minute": 36}
